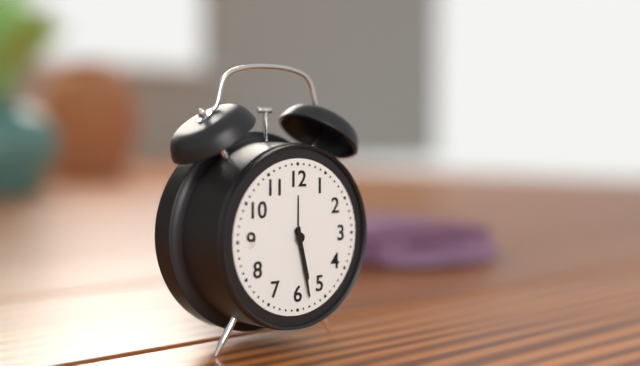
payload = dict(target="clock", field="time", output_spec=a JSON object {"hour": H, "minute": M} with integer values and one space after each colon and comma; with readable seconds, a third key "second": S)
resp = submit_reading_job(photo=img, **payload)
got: {"hour": 5, "minute": 28}
